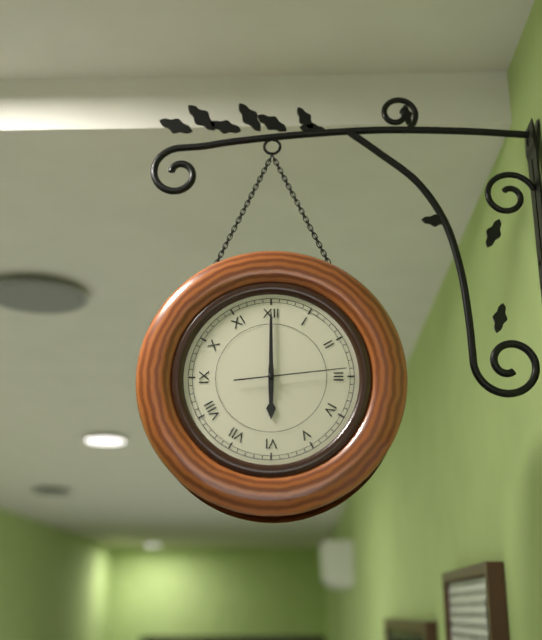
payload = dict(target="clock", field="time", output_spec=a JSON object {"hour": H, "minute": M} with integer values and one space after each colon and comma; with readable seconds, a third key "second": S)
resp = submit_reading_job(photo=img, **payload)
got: {"hour": 6, "minute": 0, "second": 14}
